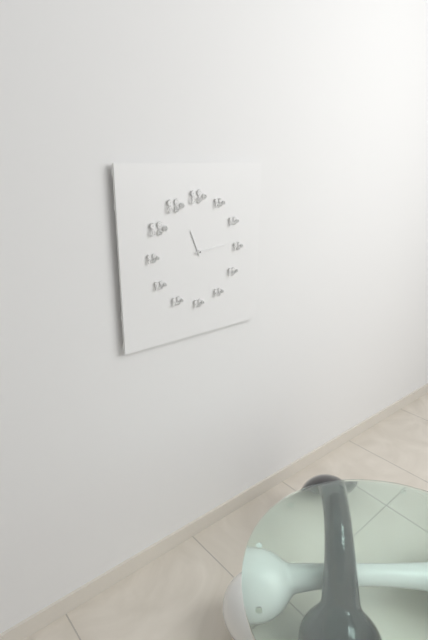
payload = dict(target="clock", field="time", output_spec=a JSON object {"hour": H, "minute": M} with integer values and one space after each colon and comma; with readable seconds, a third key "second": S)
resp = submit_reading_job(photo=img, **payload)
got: {"hour": 11, "minute": 14}
